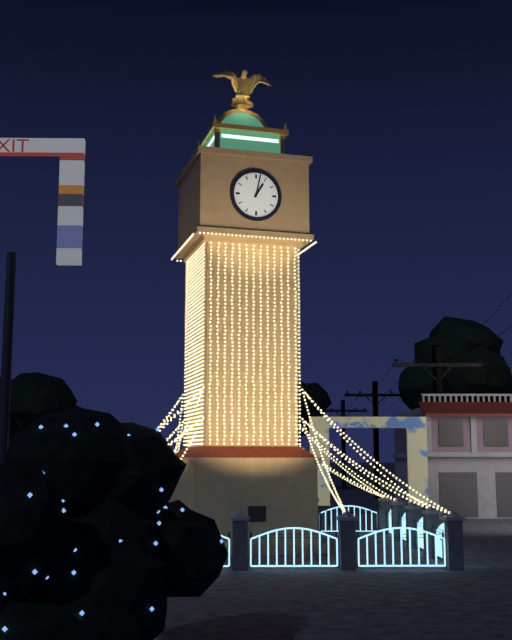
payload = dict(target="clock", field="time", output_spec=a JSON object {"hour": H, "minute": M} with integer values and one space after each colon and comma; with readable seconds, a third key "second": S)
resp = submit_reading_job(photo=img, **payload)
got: {"hour": 1, "minute": 2}
